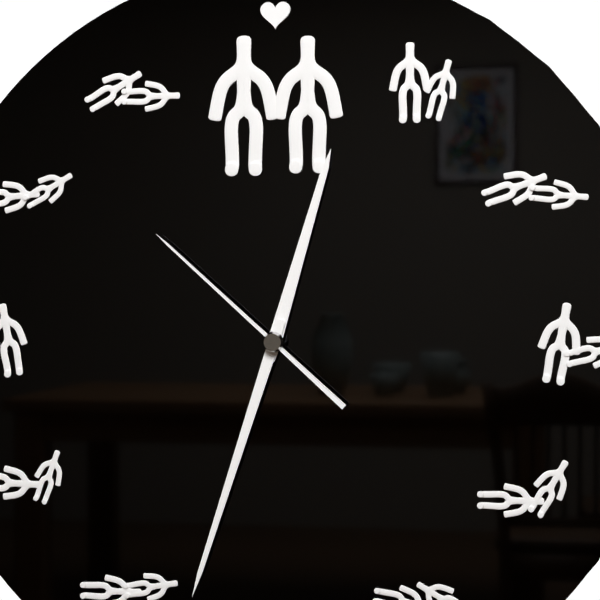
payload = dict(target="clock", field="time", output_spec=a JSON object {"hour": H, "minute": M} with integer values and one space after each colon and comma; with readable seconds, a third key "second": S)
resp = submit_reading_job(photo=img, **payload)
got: {"hour": 12, "minute": 33, "second": 52}
